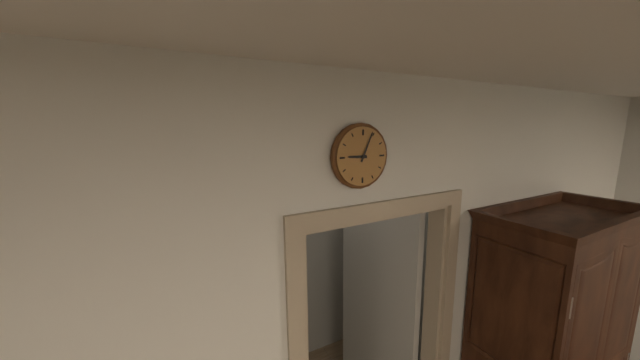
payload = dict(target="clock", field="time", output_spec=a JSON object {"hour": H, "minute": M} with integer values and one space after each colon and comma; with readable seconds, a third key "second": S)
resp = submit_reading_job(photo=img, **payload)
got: {"hour": 9, "minute": 4}
